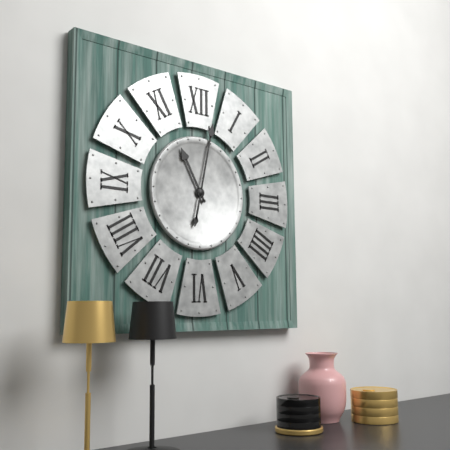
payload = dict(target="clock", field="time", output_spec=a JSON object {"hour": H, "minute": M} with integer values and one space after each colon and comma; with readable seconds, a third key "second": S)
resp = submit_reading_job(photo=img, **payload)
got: {"hour": 11, "minute": 2}
